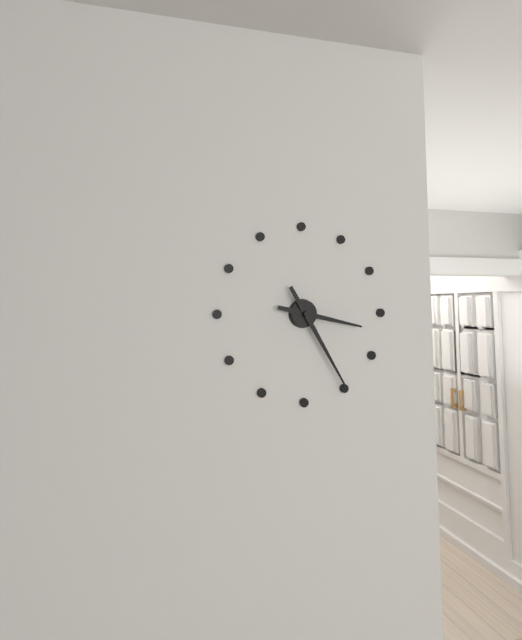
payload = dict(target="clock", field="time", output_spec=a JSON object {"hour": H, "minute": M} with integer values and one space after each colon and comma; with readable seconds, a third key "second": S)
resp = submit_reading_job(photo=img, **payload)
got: {"hour": 3, "minute": 25}
